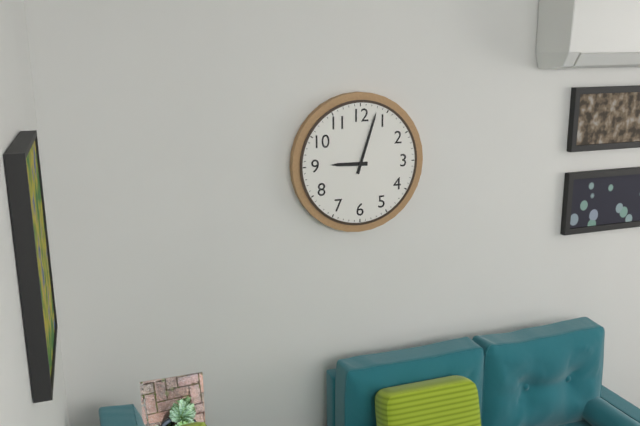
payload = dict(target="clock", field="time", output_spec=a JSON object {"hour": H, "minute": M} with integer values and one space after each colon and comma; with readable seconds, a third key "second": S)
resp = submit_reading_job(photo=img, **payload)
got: {"hour": 9, "minute": 3}
